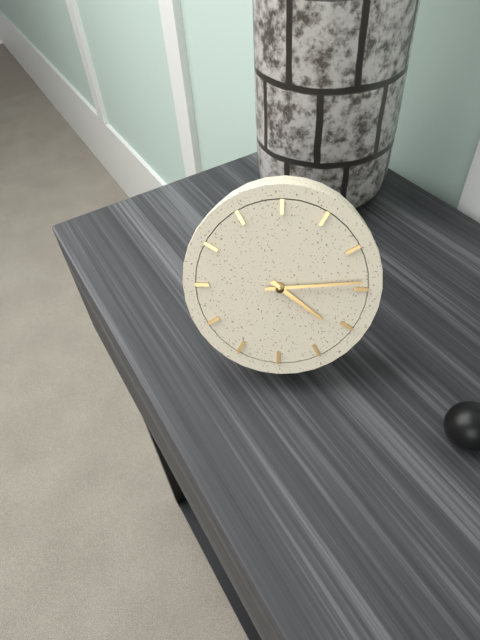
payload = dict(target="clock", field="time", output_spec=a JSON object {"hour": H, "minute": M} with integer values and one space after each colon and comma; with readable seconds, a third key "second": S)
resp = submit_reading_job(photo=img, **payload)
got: {"hour": 4, "minute": 14}
